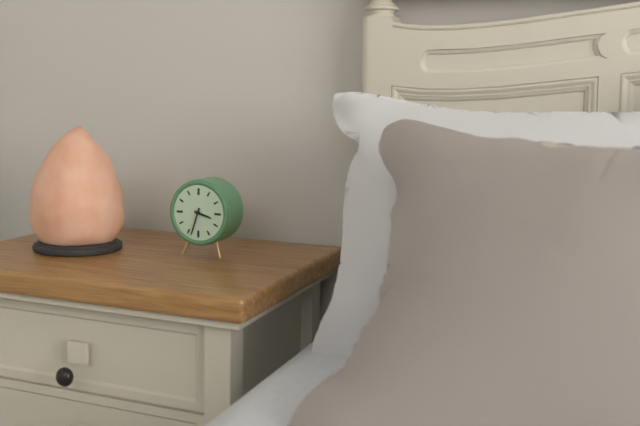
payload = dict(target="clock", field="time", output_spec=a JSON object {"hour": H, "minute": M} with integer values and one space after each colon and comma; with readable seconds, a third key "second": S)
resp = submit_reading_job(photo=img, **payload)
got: {"hour": 3, "minute": 33}
